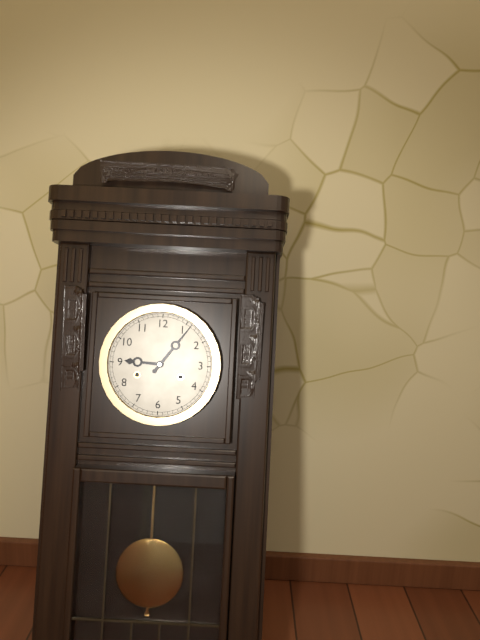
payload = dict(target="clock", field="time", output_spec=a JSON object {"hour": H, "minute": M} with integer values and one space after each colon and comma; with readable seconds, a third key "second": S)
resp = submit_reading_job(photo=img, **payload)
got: {"hour": 9, "minute": 6}
